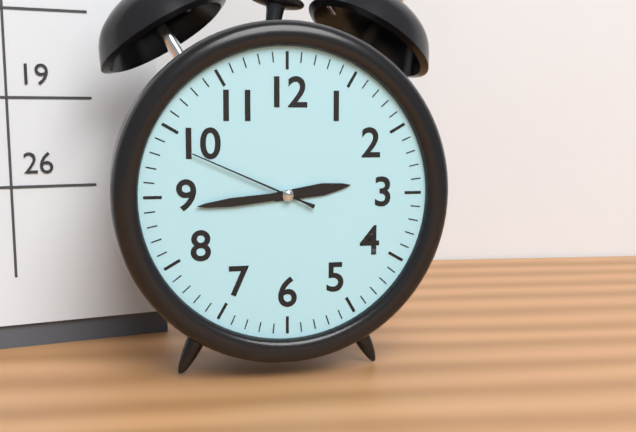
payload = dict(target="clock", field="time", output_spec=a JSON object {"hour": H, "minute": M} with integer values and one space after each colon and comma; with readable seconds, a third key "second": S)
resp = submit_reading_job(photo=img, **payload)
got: {"hour": 2, "minute": 44, "second": 49}
